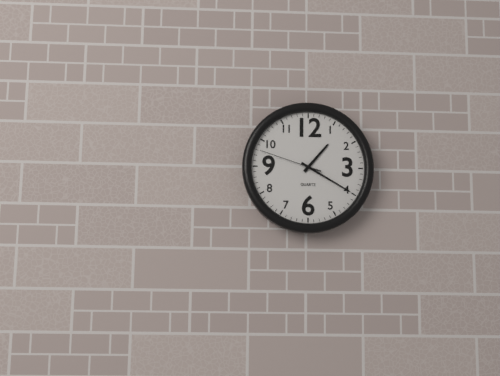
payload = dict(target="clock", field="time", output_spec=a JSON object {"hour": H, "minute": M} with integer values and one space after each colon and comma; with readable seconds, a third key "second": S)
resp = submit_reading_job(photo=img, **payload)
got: {"hour": 1, "minute": 20, "second": 48}
